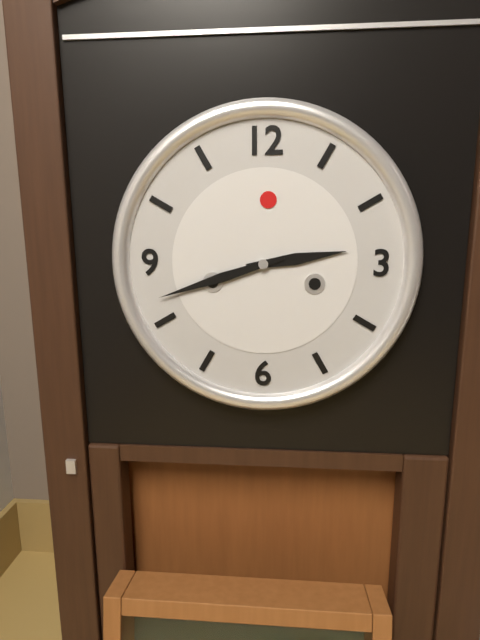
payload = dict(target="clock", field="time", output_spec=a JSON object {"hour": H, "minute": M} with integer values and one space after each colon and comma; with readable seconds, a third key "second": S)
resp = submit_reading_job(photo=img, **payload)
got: {"hour": 2, "minute": 42}
